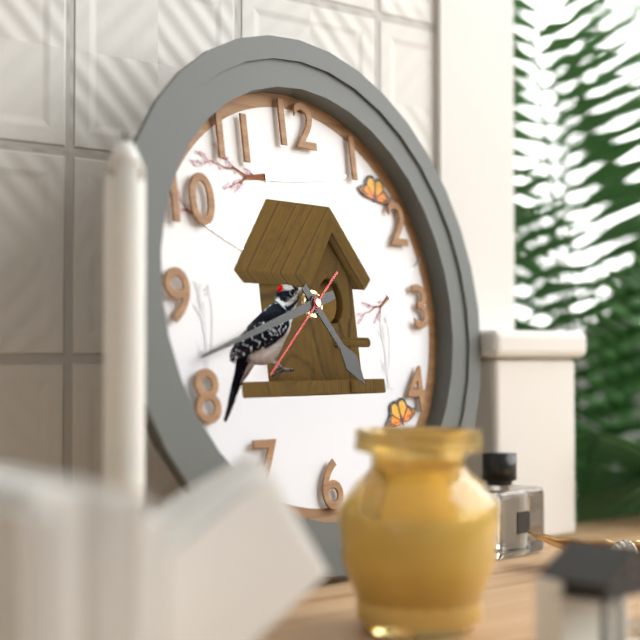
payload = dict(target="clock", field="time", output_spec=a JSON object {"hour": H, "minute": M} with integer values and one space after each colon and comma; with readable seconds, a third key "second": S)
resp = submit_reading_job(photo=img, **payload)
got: {"hour": 4, "minute": 42, "second": 38}
